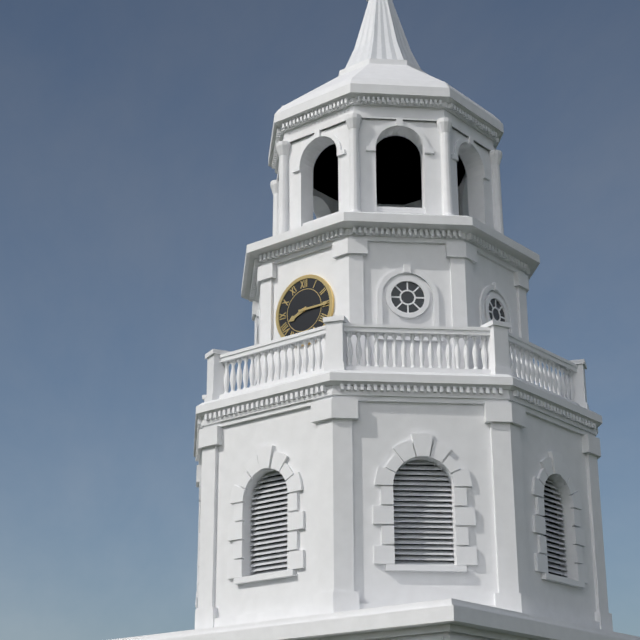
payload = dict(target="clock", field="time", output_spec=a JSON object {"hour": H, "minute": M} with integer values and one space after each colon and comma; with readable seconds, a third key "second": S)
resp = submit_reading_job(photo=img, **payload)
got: {"hour": 8, "minute": 15}
